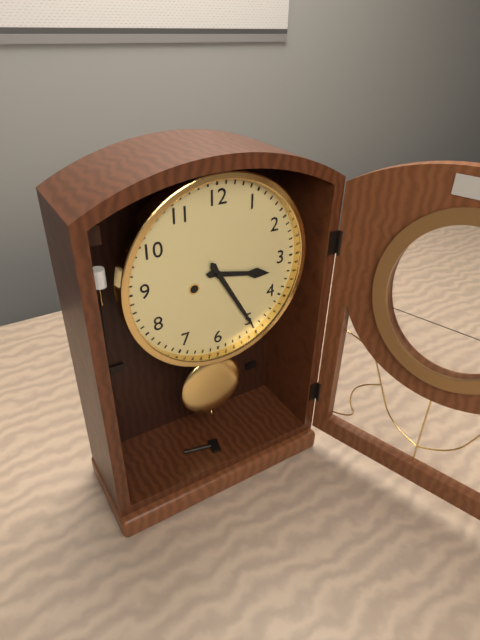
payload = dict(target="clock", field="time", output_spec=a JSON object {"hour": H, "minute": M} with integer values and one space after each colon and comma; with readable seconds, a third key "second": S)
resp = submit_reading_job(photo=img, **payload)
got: {"hour": 3, "minute": 25}
